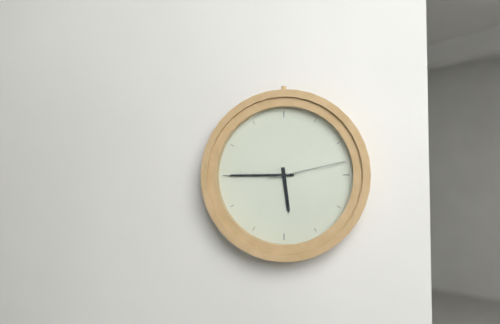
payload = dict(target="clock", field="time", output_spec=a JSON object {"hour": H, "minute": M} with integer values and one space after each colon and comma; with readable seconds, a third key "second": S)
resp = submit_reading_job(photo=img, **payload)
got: {"hour": 5, "minute": 45, "second": 13}
